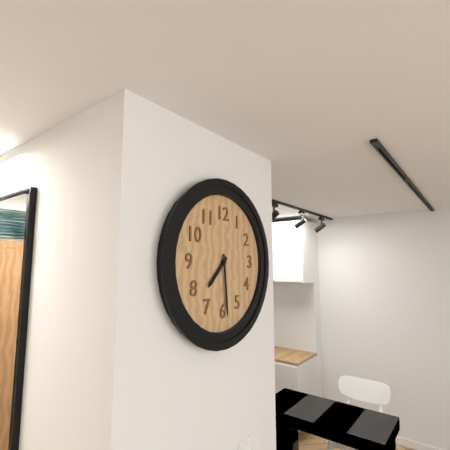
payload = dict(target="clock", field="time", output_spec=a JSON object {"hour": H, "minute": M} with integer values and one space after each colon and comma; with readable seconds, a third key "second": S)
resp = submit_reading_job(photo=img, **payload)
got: {"hour": 7, "minute": 29}
